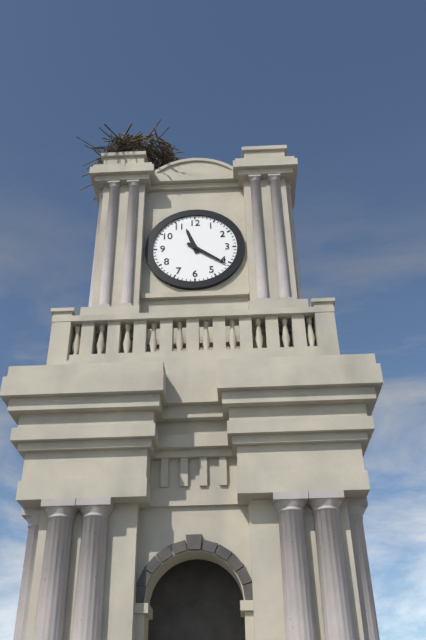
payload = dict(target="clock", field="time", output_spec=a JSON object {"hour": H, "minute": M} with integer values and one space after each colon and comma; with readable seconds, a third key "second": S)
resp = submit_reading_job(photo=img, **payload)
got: {"hour": 11, "minute": 21}
